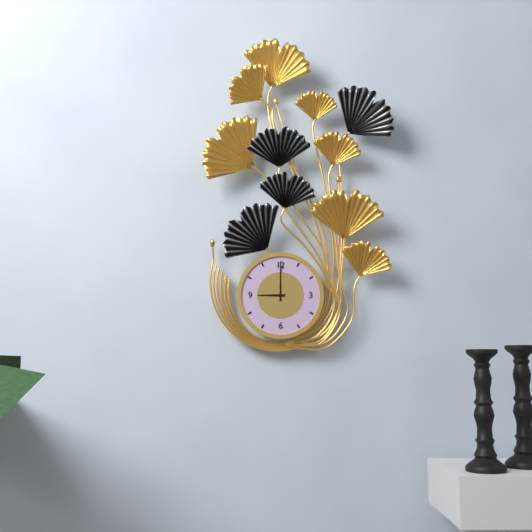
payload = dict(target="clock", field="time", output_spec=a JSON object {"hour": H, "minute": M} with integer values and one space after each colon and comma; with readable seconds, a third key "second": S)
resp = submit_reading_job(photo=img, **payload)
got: {"hour": 9, "minute": 0}
